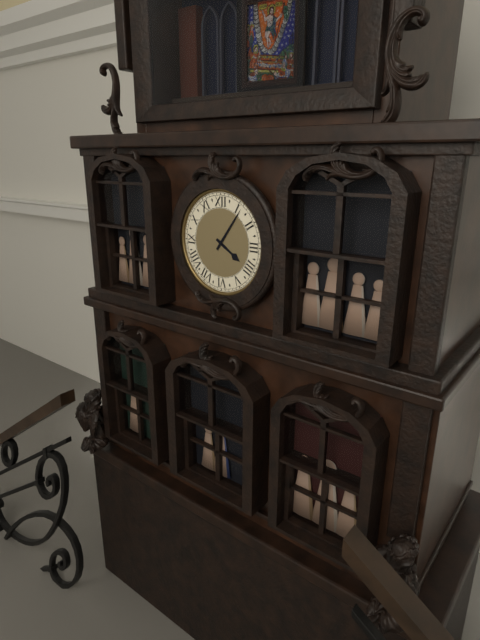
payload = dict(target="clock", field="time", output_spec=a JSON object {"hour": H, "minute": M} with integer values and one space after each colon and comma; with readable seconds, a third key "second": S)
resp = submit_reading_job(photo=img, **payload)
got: {"hour": 4, "minute": 6}
